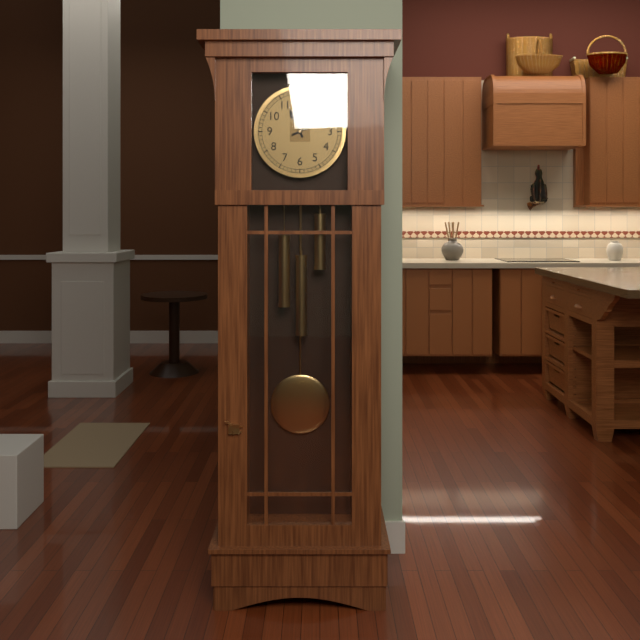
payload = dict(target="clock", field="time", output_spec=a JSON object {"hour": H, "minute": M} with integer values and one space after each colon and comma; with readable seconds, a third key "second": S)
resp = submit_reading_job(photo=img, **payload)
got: {"hour": 11, "minute": 11}
